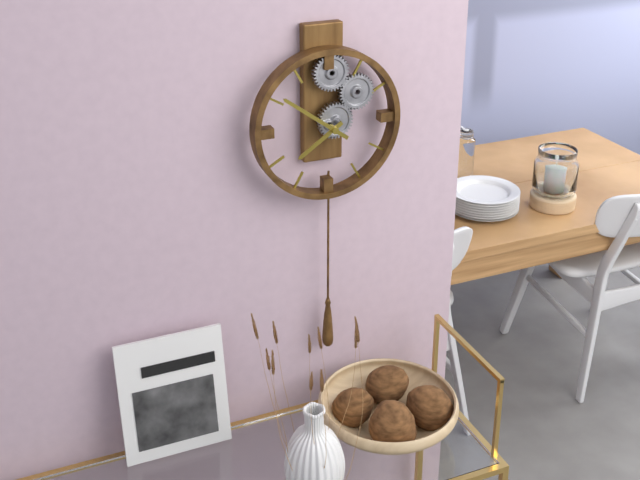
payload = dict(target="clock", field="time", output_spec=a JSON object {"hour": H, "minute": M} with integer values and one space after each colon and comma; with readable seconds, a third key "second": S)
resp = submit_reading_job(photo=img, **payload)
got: {"hour": 7, "minute": 51}
